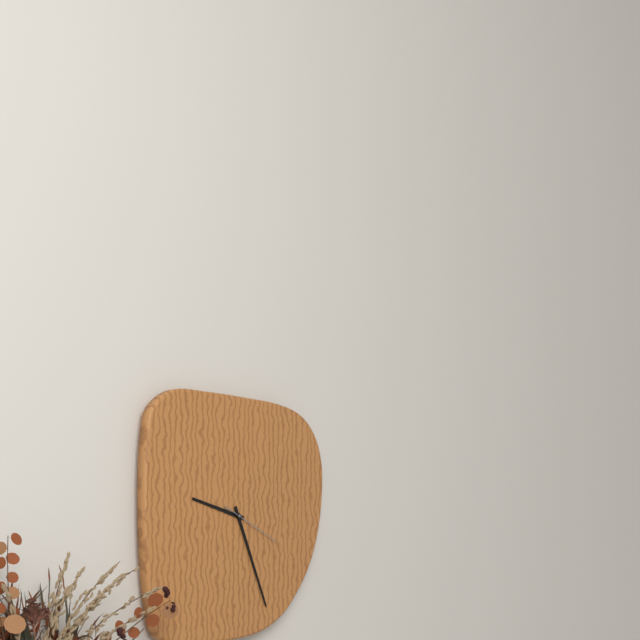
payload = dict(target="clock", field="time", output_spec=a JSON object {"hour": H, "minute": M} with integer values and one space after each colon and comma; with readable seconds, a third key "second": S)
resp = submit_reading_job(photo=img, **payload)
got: {"hour": 9, "minute": 26, "second": 19}
